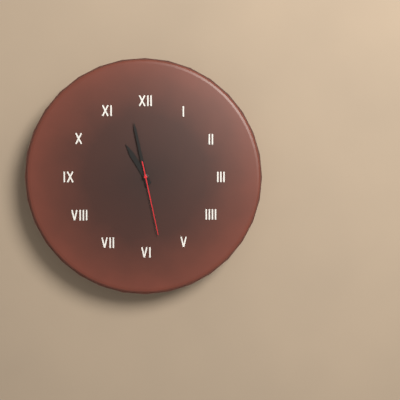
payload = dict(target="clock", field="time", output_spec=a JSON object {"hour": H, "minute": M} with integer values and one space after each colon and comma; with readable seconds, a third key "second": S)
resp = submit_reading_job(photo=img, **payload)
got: {"hour": 10, "minute": 58, "second": 28}
